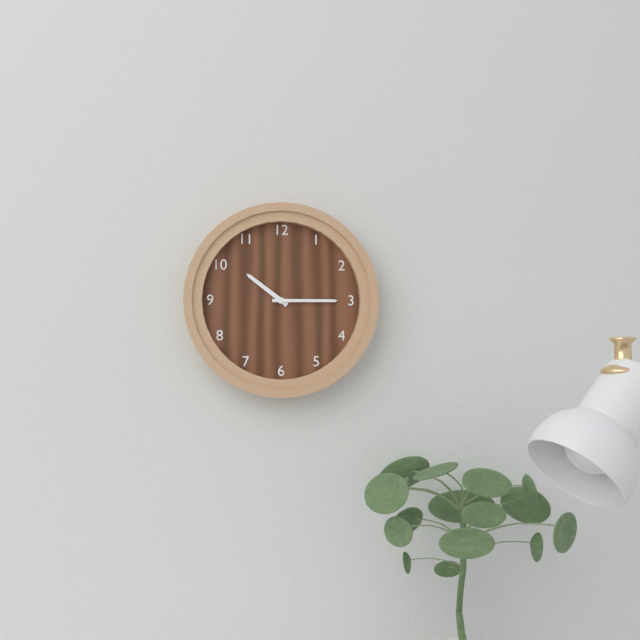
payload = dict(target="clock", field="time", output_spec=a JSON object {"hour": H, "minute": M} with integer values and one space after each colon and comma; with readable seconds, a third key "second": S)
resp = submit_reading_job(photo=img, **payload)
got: {"hour": 10, "minute": 15}
